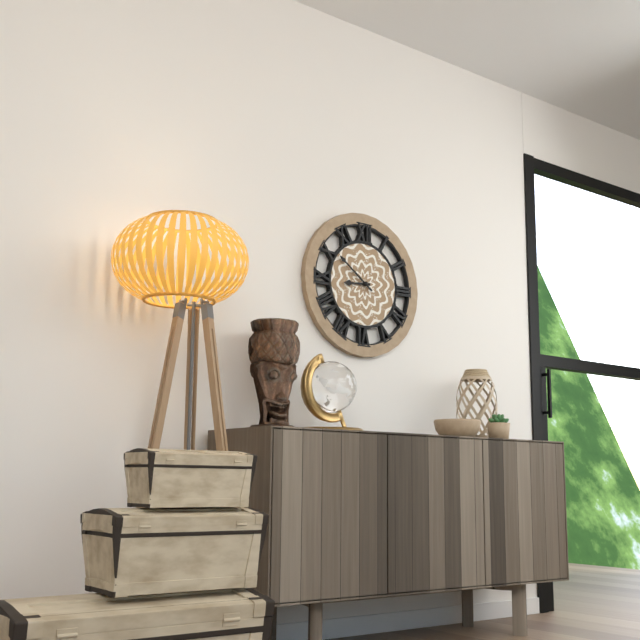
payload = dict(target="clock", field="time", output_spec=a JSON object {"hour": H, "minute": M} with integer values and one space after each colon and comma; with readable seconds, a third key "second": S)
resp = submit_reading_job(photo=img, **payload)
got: {"hour": 8, "minute": 51}
